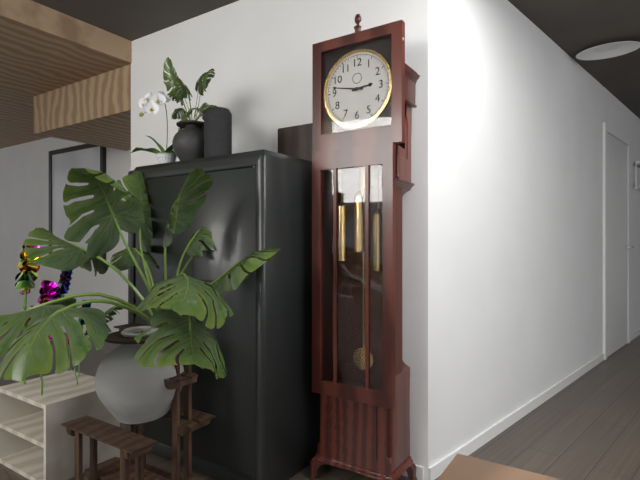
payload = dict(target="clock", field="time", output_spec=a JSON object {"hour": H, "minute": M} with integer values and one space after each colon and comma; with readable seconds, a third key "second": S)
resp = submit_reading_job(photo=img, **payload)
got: {"hour": 2, "minute": 47}
